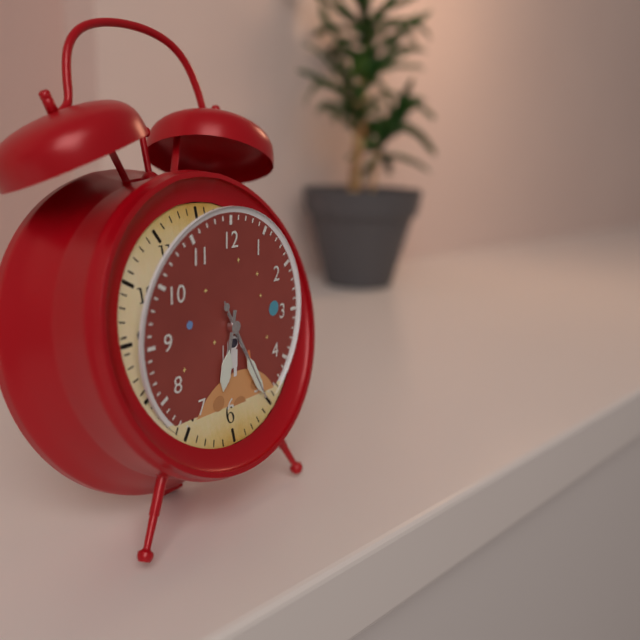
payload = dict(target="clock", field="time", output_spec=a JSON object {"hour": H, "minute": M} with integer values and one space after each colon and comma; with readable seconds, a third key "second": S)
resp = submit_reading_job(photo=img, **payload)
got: {"hour": 6, "minute": 25, "second": 25}
